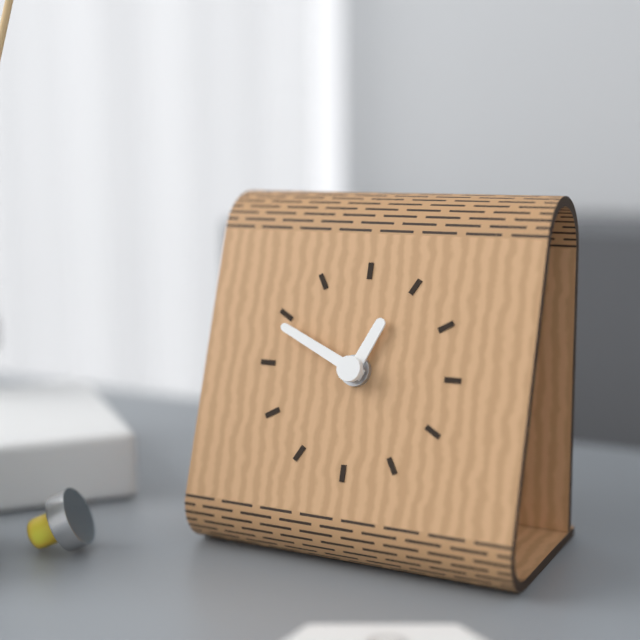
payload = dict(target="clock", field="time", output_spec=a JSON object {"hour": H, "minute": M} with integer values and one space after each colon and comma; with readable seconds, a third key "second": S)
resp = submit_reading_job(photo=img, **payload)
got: {"hour": 12, "minute": 49}
